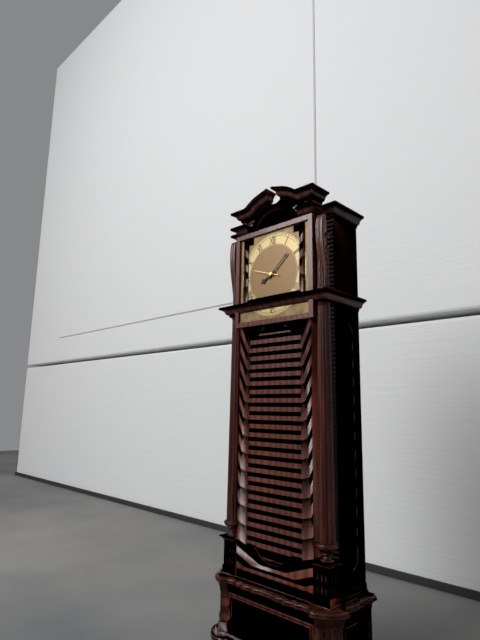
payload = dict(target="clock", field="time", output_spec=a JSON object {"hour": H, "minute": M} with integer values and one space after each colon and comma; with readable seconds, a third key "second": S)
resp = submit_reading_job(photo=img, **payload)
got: {"hour": 8, "minute": 8}
